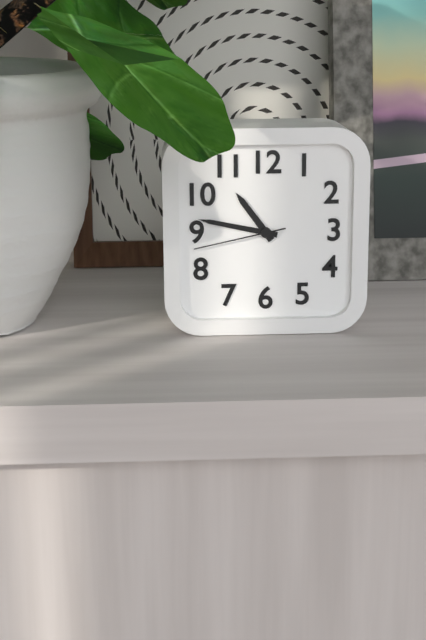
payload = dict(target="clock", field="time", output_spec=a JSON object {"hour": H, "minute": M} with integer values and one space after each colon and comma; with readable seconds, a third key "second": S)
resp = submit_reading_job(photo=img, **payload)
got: {"hour": 10, "minute": 47, "second": 43}
